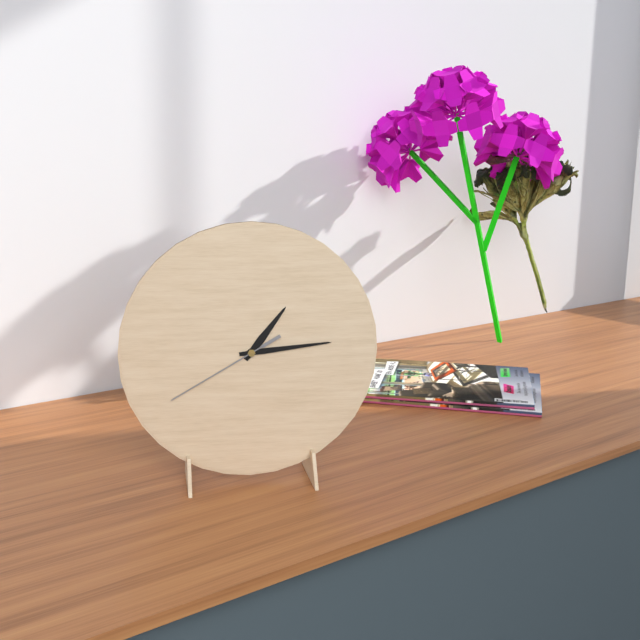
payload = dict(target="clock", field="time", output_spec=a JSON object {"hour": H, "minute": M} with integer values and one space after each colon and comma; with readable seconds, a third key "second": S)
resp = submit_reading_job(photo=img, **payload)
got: {"hour": 1, "minute": 14, "second": 40}
